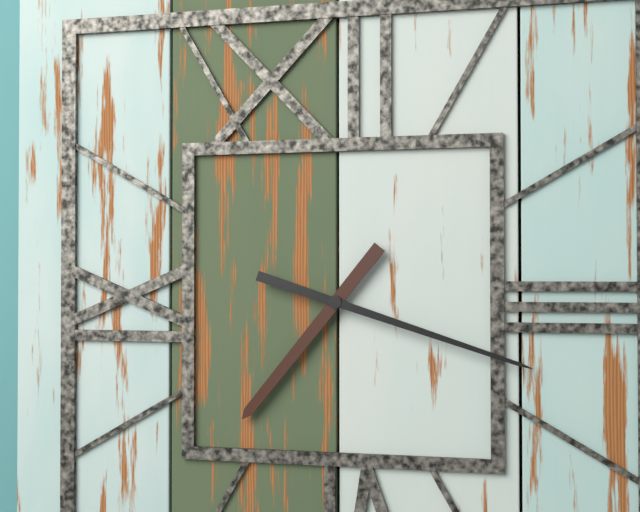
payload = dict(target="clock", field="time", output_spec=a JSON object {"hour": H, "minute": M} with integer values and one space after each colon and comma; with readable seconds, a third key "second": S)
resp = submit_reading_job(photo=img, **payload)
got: {"hour": 7, "minute": 18}
